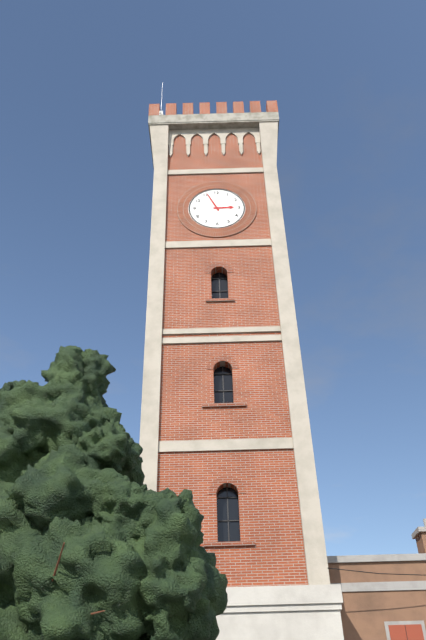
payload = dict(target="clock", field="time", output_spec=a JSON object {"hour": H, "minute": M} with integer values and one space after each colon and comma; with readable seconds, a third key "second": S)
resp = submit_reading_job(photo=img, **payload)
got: {"hour": 2, "minute": 56}
